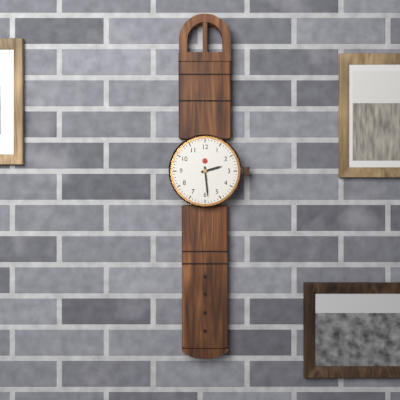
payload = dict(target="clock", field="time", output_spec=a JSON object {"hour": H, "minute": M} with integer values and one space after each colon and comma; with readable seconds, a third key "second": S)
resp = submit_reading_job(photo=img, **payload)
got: {"hour": 2, "minute": 29}
